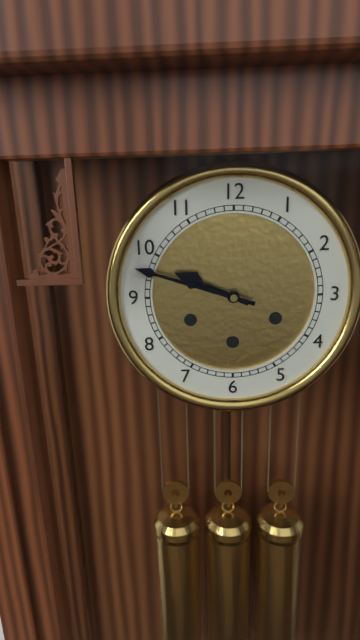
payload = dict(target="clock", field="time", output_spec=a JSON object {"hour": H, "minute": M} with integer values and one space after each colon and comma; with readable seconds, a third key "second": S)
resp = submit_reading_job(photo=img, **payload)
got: {"hour": 9, "minute": 48}
